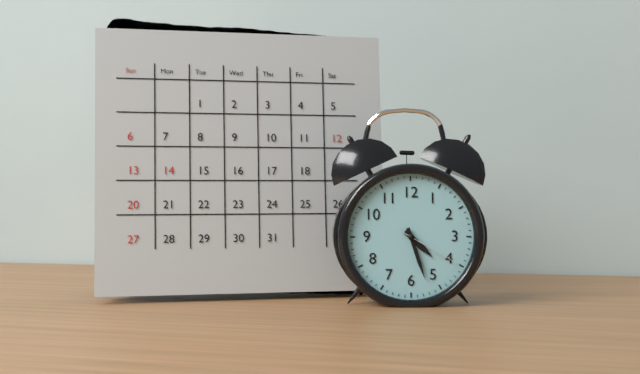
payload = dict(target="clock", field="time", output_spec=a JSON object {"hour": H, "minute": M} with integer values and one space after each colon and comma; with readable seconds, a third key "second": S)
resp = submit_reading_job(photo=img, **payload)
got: {"hour": 4, "minute": 27, "second": 20}
